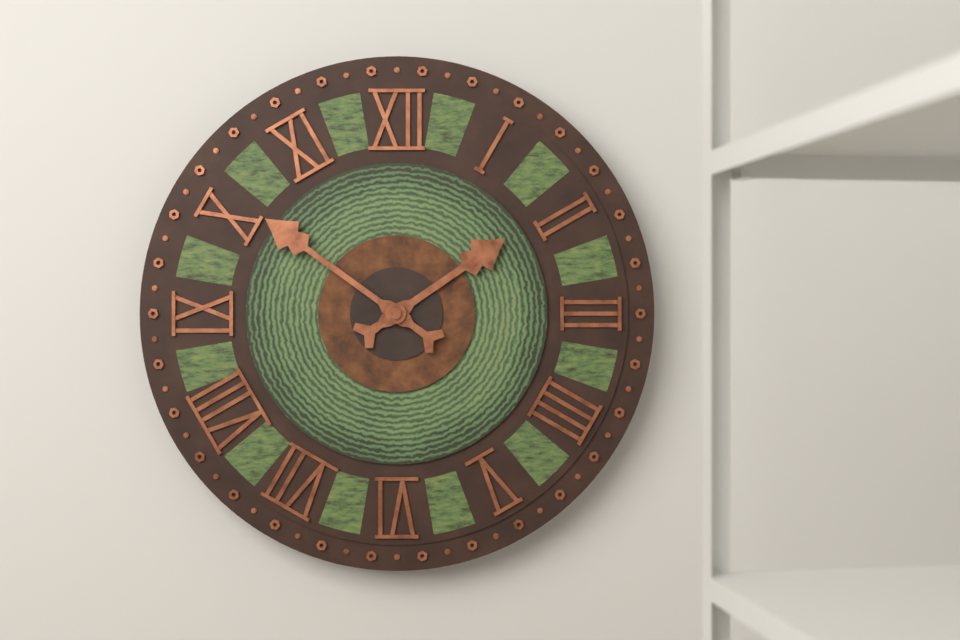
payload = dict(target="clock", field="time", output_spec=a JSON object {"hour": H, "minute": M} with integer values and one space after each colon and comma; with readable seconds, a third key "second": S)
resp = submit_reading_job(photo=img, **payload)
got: {"hour": 1, "minute": 51}
